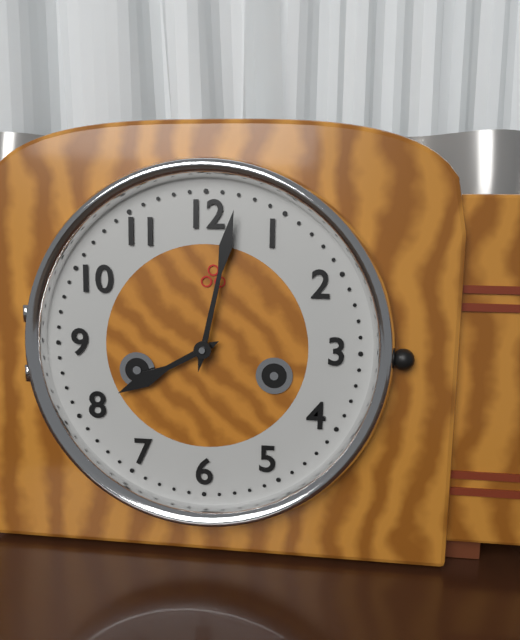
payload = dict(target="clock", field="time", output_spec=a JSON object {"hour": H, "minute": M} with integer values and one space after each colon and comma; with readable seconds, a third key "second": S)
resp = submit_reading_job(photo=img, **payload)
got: {"hour": 8, "minute": 2}
